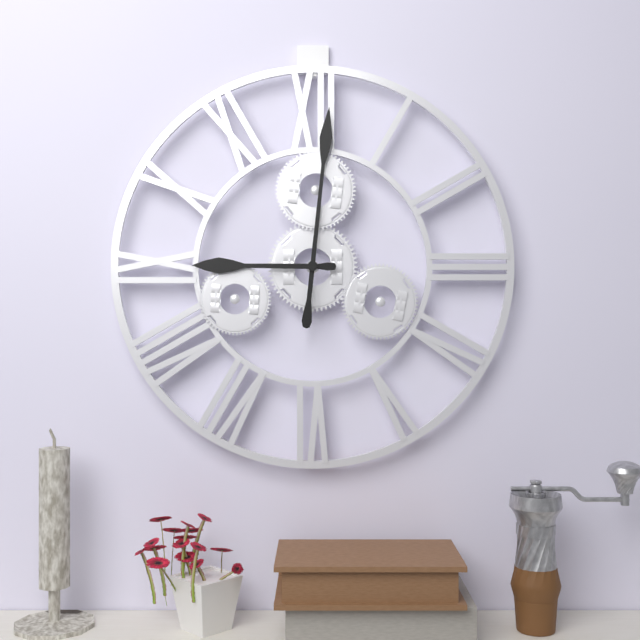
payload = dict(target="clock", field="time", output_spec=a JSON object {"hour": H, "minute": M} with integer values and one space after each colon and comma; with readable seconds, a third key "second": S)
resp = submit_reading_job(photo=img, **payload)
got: {"hour": 9, "minute": 1}
